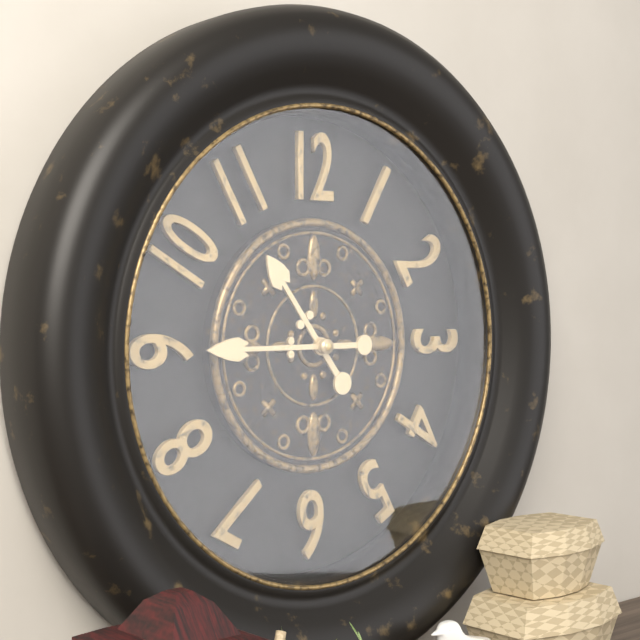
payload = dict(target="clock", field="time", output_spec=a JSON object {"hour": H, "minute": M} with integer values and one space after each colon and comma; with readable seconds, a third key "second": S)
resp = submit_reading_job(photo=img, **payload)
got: {"hour": 10, "minute": 45}
